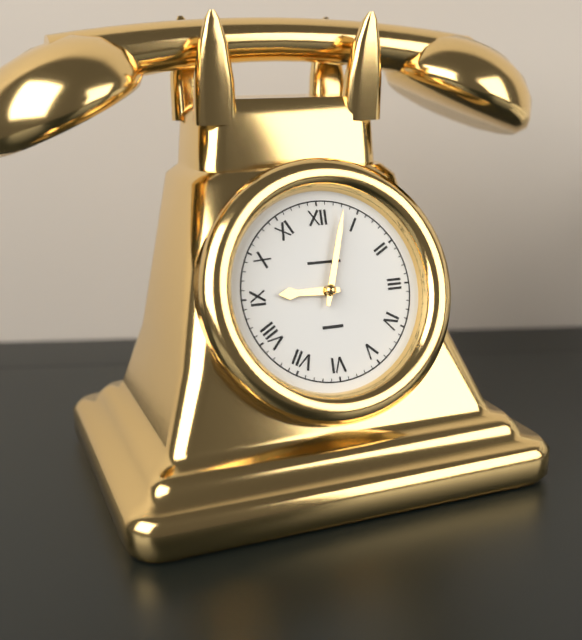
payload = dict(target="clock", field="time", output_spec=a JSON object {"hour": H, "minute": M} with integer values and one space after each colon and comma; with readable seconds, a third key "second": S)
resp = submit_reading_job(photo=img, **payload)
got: {"hour": 9, "minute": 3}
